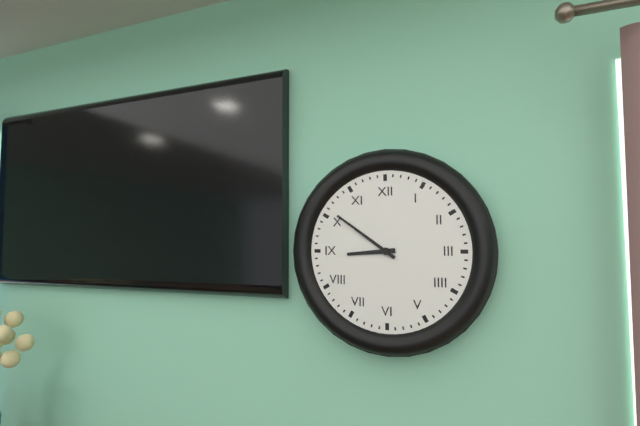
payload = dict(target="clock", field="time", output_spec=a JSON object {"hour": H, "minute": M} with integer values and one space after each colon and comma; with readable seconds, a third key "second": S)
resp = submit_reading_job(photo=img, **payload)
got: {"hour": 8, "minute": 51}
